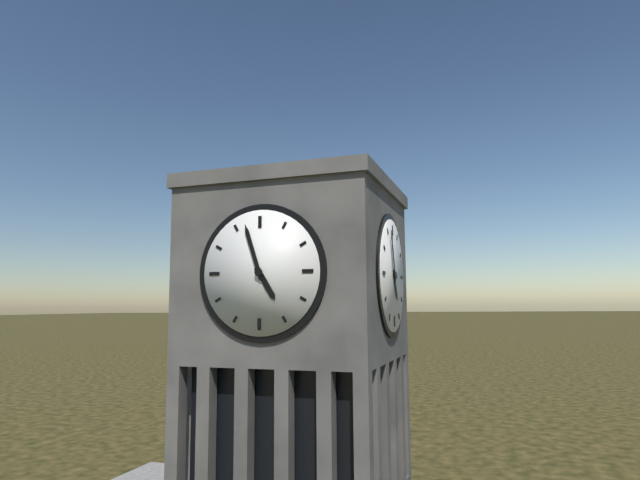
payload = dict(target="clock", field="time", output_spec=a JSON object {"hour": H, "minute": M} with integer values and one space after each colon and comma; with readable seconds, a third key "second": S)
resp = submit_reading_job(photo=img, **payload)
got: {"hour": 4, "minute": 57}
